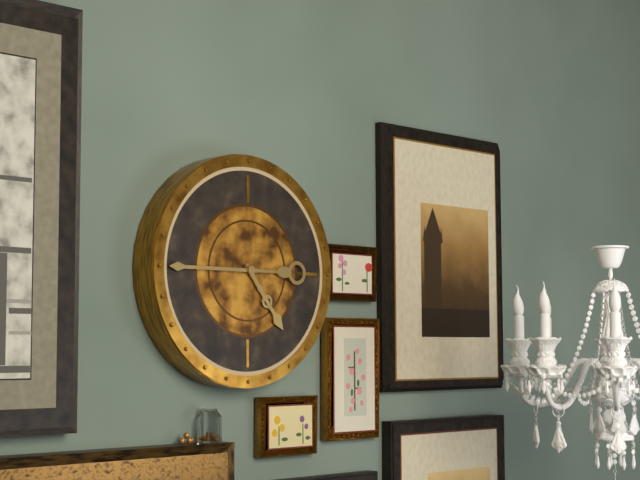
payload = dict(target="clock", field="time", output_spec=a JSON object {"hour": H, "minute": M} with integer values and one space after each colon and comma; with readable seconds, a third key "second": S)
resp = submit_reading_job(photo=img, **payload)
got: {"hour": 4, "minute": 45}
